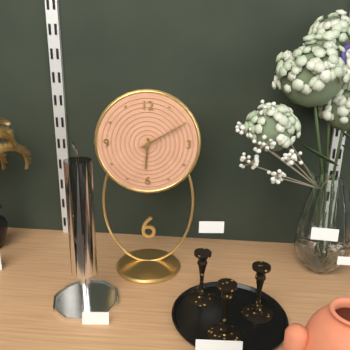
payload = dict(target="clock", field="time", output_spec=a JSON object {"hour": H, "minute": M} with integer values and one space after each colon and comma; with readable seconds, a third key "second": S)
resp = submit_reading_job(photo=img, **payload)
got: {"hour": 6, "minute": 10}
